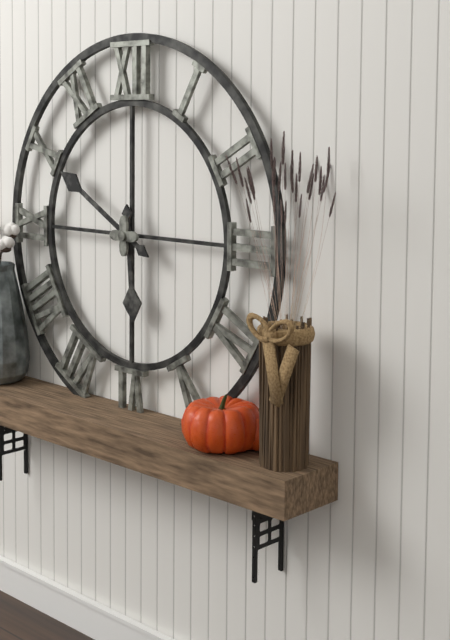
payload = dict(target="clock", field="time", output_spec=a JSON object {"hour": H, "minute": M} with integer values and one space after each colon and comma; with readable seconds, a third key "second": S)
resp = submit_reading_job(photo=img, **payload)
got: {"hour": 5, "minute": 50}
